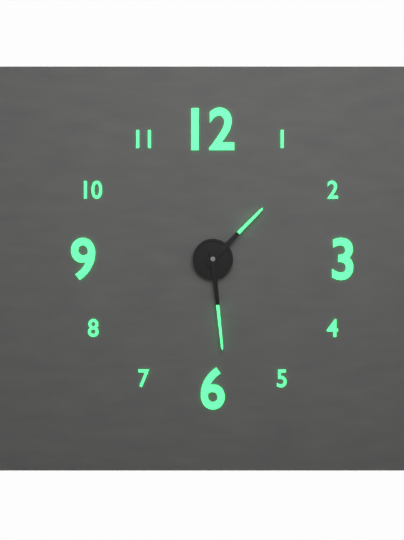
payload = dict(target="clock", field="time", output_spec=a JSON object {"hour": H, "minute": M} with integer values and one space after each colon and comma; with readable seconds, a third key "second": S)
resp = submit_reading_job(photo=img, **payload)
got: {"hour": 1, "minute": 29}
